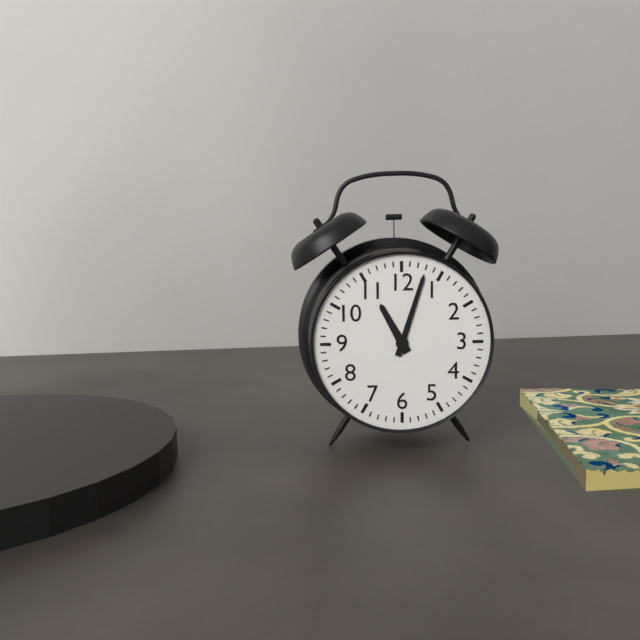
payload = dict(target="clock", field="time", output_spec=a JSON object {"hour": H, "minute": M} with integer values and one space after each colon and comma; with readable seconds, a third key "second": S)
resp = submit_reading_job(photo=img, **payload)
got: {"hour": 11, "minute": 3}
